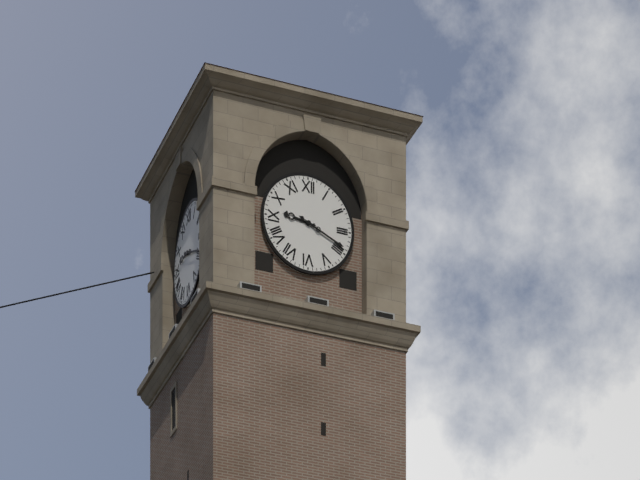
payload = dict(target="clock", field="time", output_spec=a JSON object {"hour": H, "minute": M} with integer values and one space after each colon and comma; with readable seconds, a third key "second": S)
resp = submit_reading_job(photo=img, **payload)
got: {"hour": 9, "minute": 19}
